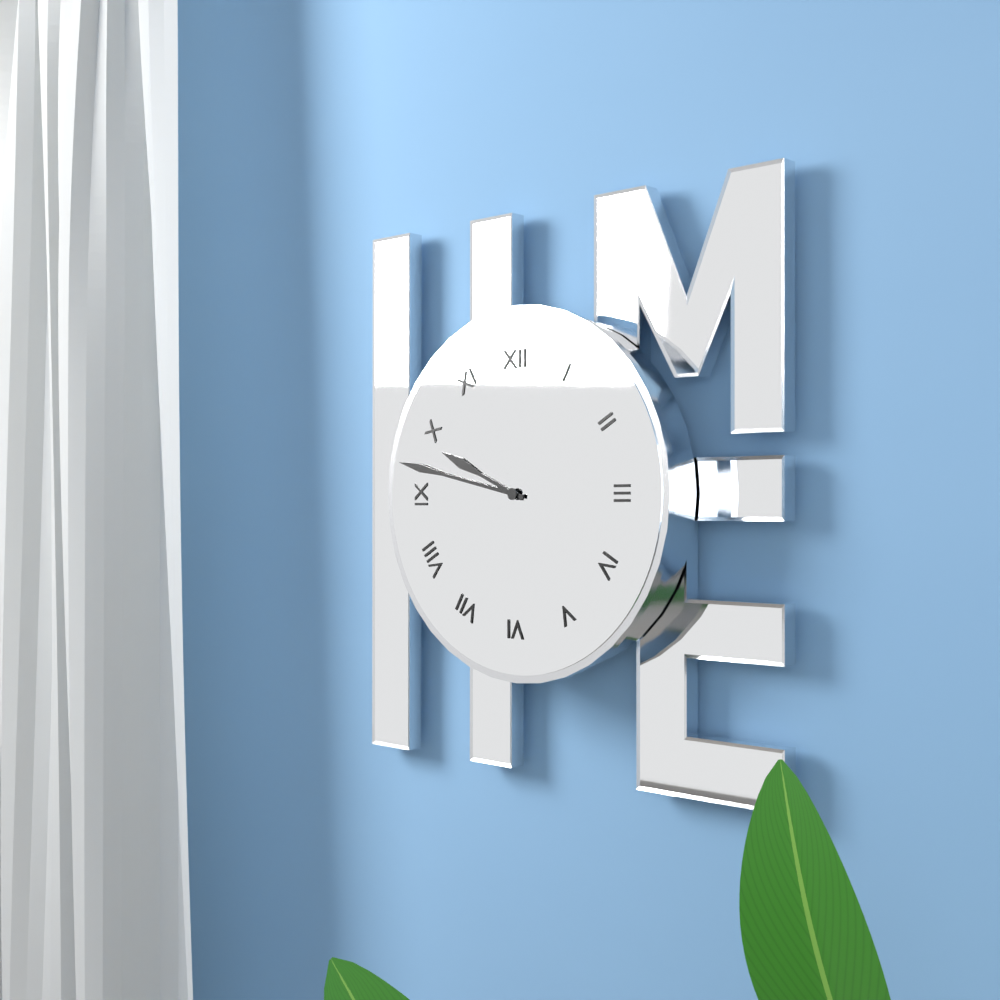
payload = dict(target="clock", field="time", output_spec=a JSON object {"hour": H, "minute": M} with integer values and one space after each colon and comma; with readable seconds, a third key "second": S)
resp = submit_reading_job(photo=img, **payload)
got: {"hour": 9, "minute": 47}
